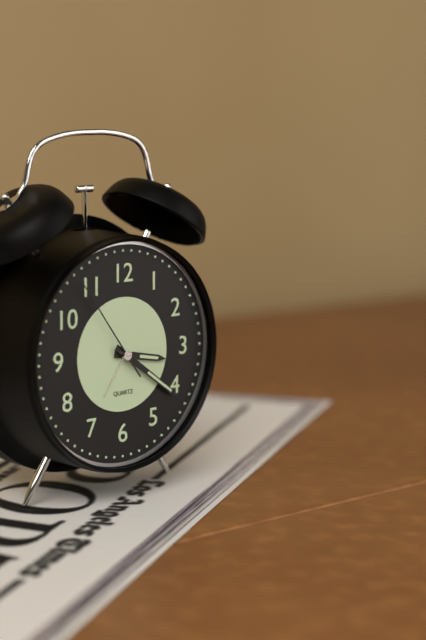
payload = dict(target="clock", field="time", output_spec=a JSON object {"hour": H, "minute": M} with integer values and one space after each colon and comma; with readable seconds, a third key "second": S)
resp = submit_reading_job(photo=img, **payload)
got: {"hour": 3, "minute": 21, "second": 54}
